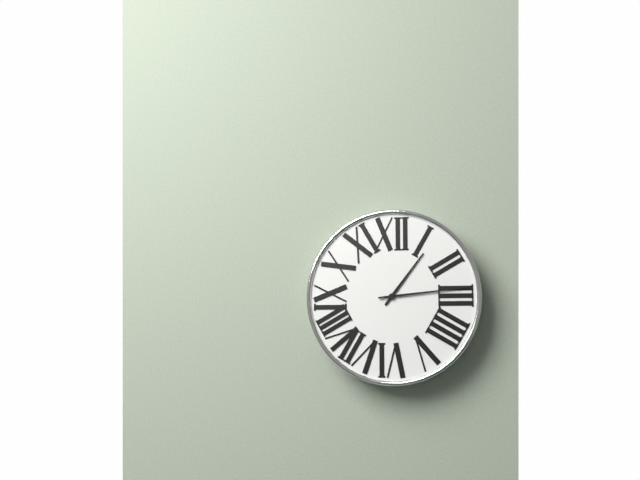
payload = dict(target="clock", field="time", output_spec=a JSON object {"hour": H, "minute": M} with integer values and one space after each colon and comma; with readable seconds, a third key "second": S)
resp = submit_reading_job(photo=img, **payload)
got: {"hour": 1, "minute": 14}
